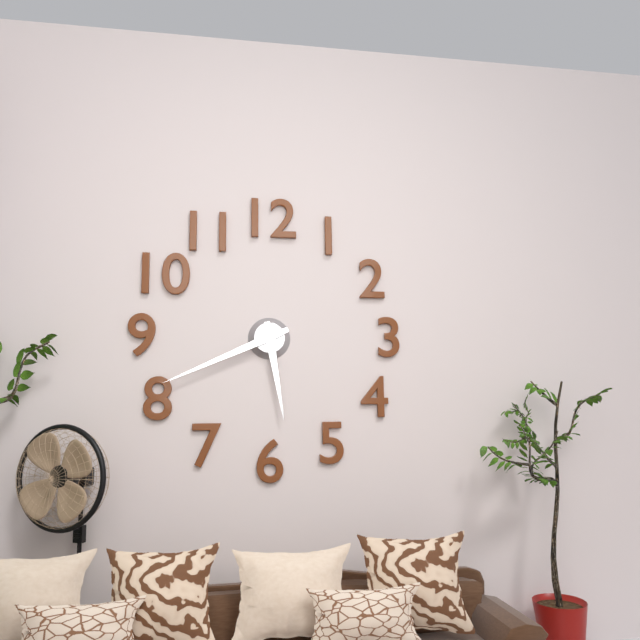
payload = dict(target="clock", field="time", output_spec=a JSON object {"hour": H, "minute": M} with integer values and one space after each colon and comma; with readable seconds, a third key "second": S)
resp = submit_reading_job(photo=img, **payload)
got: {"hour": 5, "minute": 41}
